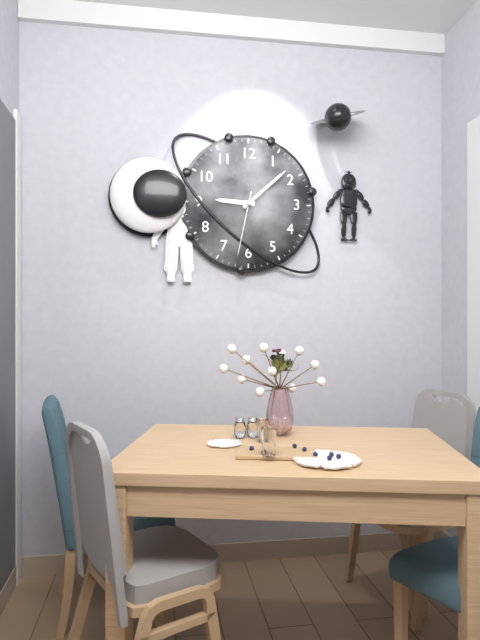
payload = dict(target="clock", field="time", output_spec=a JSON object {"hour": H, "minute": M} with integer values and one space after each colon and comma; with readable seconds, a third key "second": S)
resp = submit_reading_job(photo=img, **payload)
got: {"hour": 9, "minute": 8, "second": 32}
